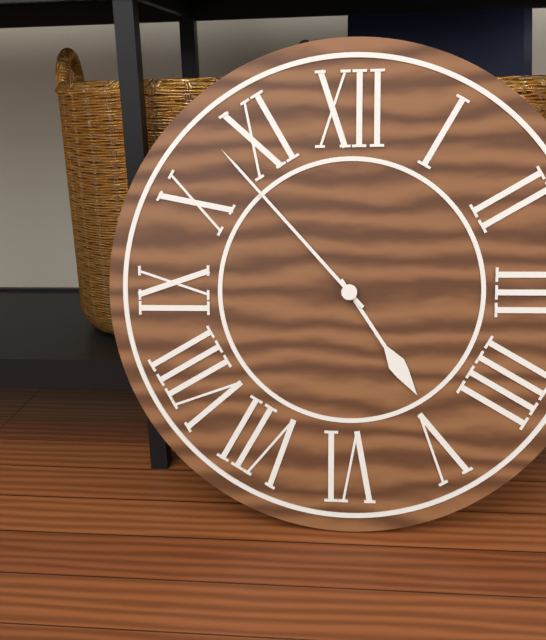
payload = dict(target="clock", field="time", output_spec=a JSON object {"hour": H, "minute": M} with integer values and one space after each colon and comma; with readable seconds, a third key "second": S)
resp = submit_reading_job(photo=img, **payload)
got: {"hour": 4, "minute": 53}
